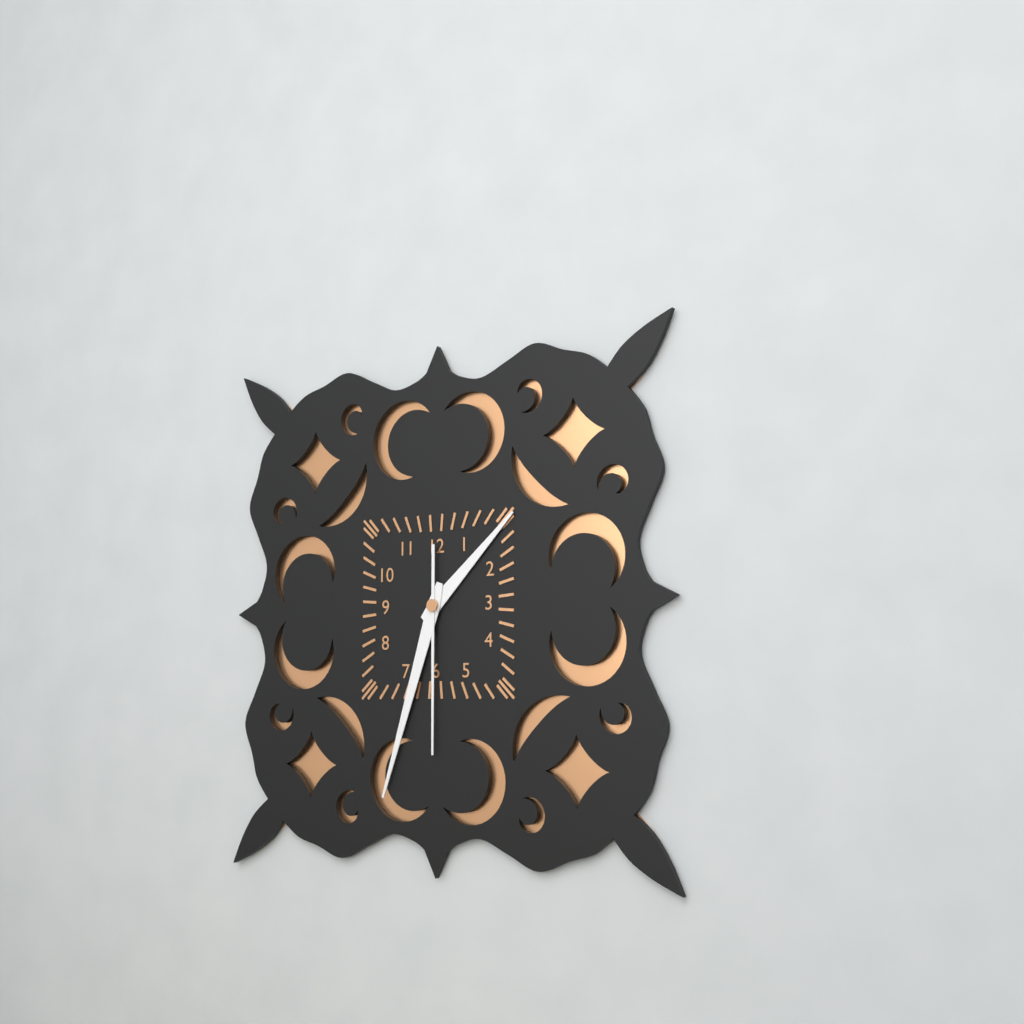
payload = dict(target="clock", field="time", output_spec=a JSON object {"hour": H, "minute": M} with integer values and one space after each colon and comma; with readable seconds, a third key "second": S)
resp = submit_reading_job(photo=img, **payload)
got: {"hour": 1, "minute": 33, "second": 30}
